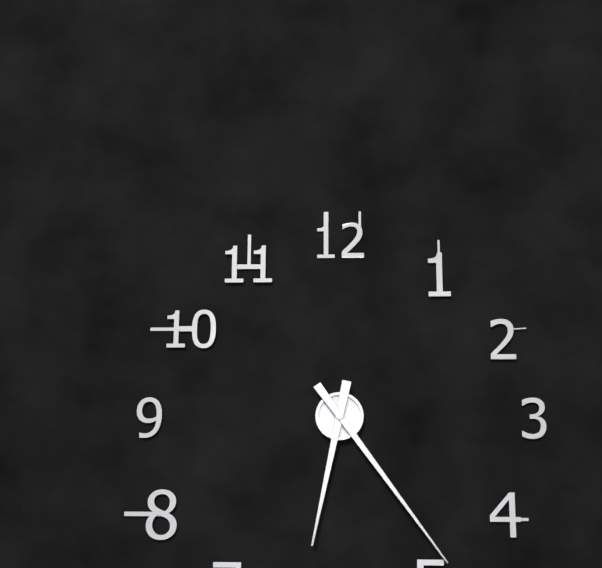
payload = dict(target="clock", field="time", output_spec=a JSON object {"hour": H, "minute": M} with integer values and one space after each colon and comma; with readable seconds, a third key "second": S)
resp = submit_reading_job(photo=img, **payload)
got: {"hour": 6, "minute": 24}
